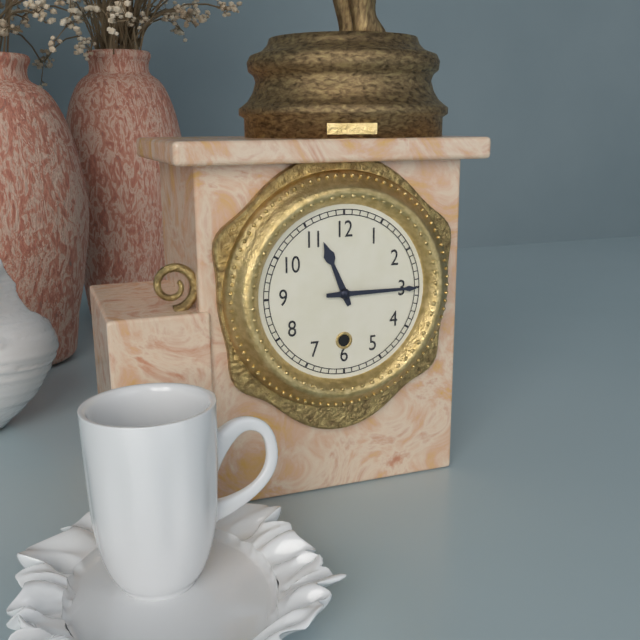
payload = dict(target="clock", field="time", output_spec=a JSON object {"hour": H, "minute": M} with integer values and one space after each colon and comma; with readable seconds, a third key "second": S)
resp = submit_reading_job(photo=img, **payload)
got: {"hour": 11, "minute": 15}
